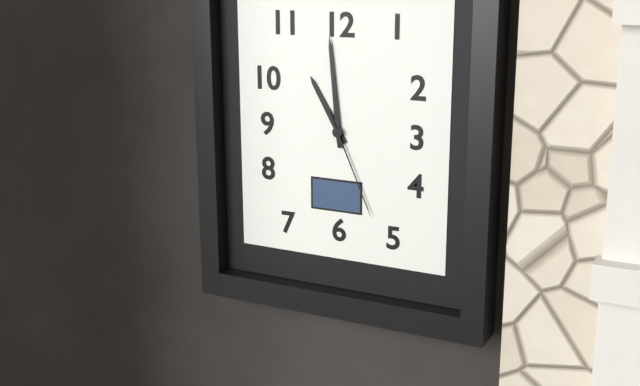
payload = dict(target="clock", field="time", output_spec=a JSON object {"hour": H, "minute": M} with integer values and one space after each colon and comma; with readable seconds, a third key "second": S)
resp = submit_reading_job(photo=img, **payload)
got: {"hour": 10, "minute": 59, "second": 26}
